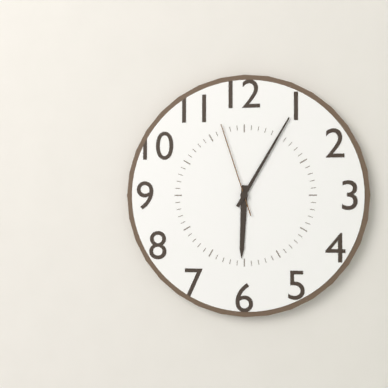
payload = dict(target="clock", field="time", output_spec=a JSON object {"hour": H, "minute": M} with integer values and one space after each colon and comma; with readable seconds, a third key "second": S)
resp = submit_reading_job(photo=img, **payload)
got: {"hour": 6, "minute": 5, "second": 57}
